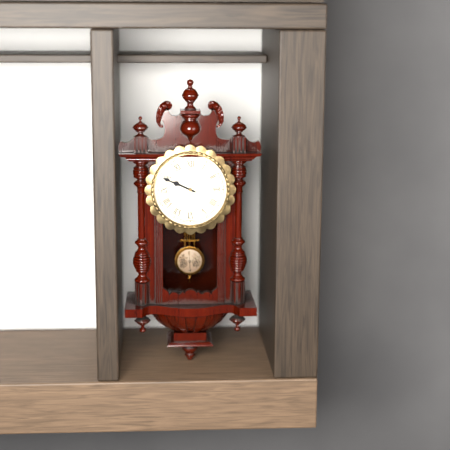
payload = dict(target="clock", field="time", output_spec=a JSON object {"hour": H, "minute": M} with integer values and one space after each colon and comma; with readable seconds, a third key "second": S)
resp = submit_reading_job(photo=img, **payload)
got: {"hour": 9, "minute": 49}
